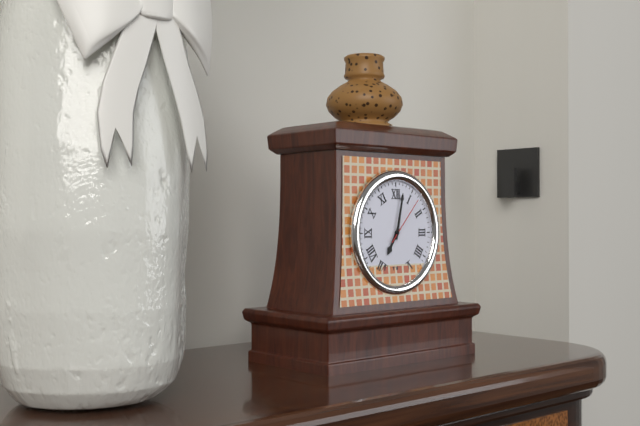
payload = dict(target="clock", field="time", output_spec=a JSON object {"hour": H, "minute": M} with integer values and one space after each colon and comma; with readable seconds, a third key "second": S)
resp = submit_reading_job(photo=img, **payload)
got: {"hour": 7, "minute": 2}
